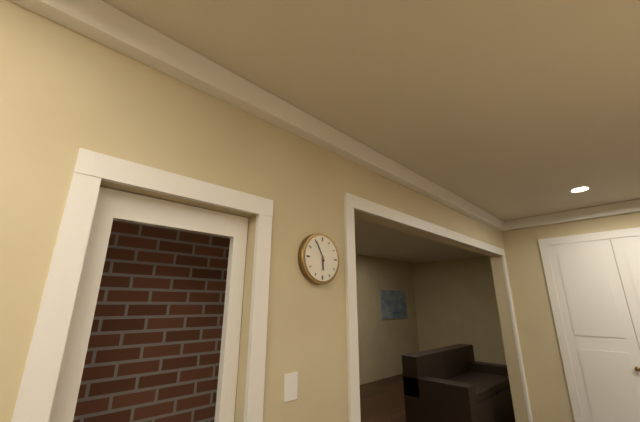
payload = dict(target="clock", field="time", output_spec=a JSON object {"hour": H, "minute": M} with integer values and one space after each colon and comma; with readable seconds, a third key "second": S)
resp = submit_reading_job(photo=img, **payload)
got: {"hour": 5, "minute": 55}
